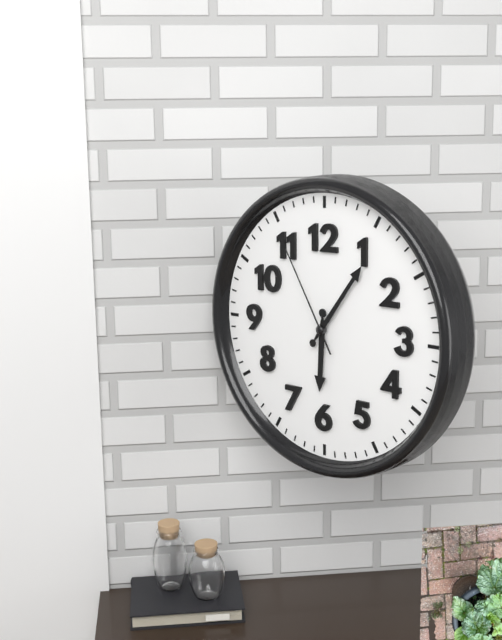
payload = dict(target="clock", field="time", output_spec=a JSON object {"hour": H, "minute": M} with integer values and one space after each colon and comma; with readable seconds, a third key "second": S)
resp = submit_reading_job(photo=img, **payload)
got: {"hour": 6, "minute": 6, "second": 55}
